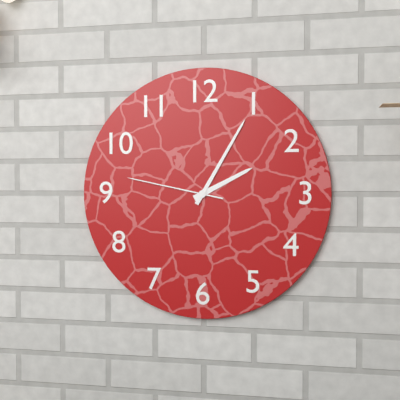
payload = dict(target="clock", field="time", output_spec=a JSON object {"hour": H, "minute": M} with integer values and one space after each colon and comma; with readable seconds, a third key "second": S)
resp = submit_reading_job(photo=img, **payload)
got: {"hour": 2, "minute": 5, "second": 47}
